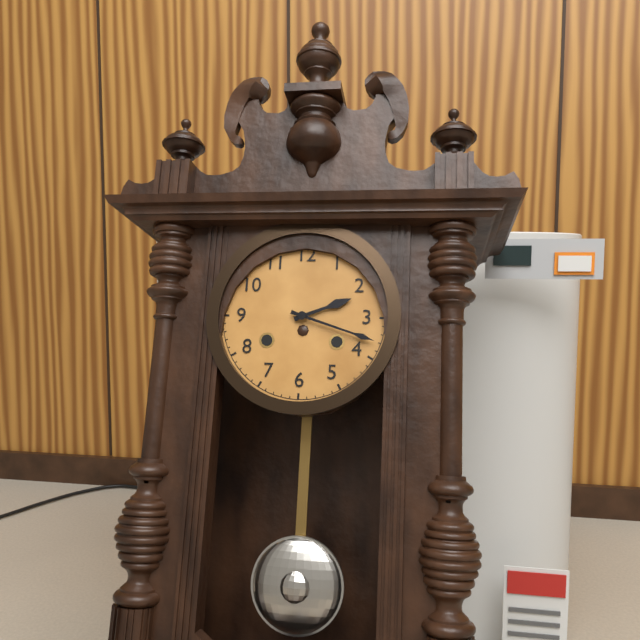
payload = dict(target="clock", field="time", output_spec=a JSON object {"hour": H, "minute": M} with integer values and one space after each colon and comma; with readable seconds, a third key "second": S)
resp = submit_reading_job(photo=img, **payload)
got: {"hour": 2, "minute": 18}
